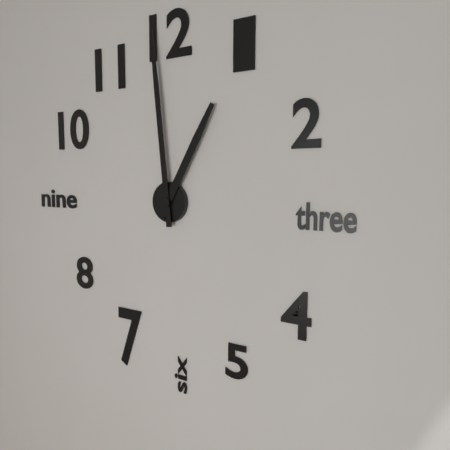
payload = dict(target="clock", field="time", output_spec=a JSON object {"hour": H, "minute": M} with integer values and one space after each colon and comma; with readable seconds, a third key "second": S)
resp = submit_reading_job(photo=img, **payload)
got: {"hour": 12, "minute": 59}
